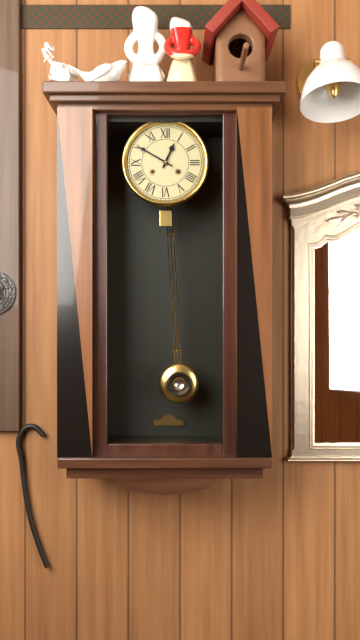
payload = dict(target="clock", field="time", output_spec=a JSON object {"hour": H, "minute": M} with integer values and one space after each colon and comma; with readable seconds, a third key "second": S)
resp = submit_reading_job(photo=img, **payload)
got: {"hour": 12, "minute": 50}
